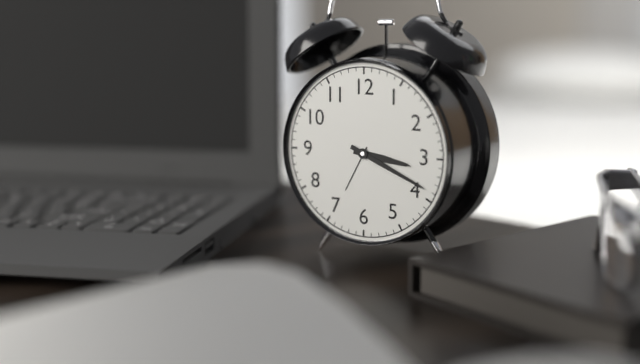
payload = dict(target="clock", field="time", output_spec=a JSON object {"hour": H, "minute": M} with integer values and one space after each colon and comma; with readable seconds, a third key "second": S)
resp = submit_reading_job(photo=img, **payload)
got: {"hour": 3, "minute": 19}
